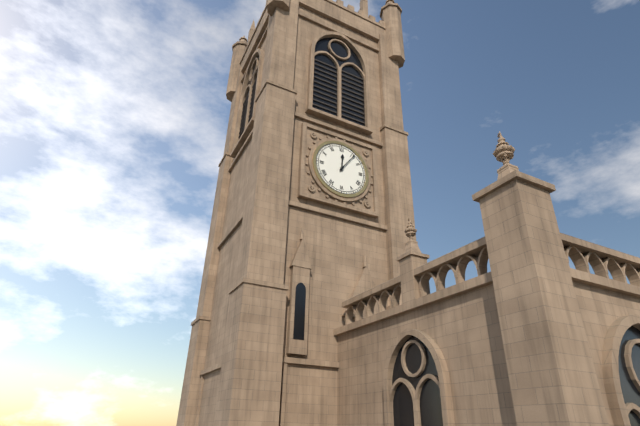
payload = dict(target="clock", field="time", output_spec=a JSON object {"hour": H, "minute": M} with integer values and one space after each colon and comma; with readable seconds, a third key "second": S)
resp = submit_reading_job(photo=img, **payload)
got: {"hour": 12, "minute": 6}
